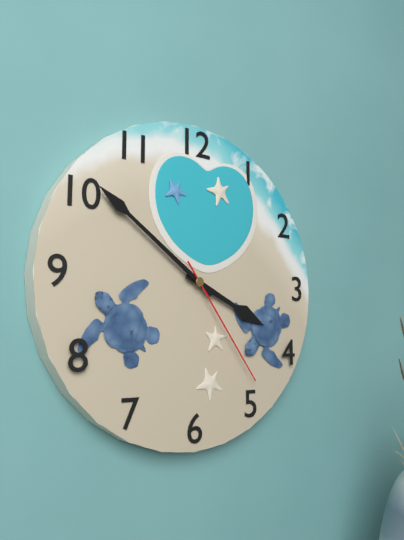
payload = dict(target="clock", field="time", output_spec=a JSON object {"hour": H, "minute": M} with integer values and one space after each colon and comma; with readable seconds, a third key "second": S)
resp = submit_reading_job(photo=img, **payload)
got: {"hour": 3, "minute": 51, "second": 24}
